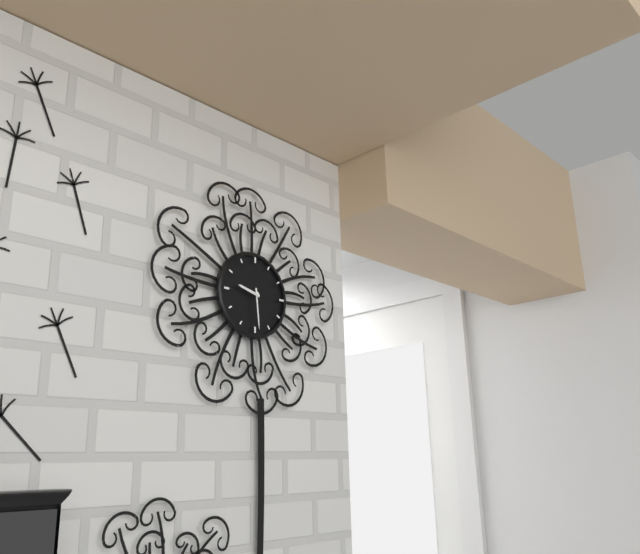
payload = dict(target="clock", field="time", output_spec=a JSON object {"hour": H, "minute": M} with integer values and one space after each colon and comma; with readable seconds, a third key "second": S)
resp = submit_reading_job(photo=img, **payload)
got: {"hour": 9, "minute": 29}
